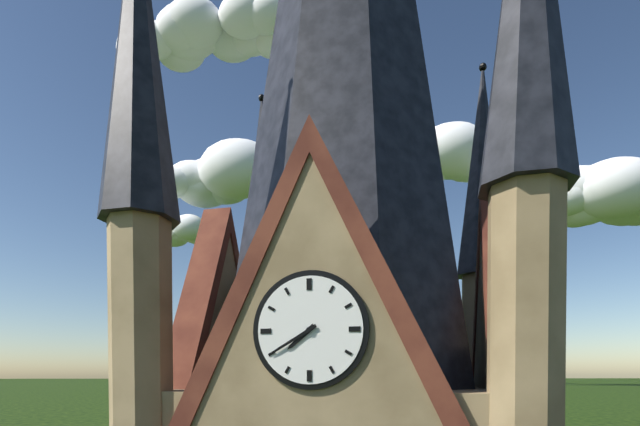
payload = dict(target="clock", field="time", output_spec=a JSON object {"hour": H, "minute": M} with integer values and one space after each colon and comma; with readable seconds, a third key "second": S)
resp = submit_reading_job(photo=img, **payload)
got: {"hour": 7, "minute": 40}
